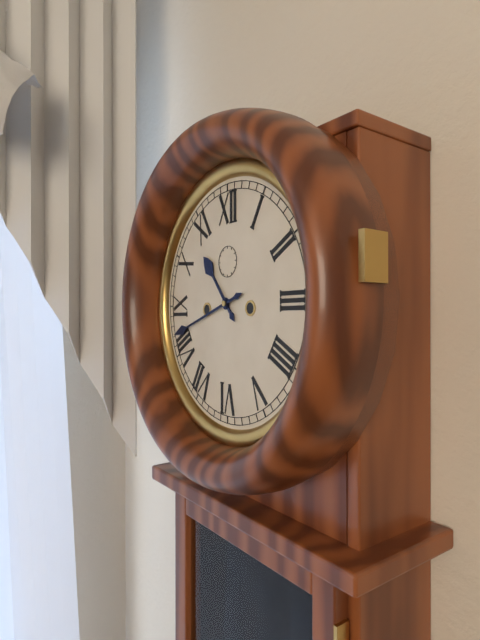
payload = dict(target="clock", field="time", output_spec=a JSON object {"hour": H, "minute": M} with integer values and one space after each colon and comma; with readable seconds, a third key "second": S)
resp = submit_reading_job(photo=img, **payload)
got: {"hour": 10, "minute": 42}
